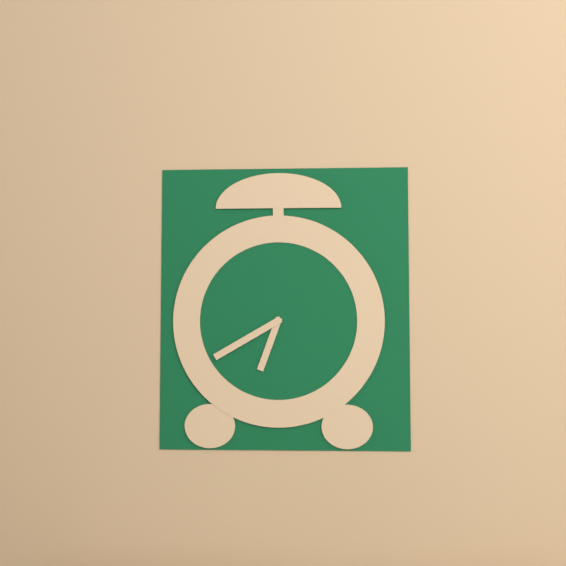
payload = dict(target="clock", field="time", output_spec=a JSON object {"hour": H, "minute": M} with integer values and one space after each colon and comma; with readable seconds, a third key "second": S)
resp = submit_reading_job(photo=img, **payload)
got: {"hour": 6, "minute": 40}
